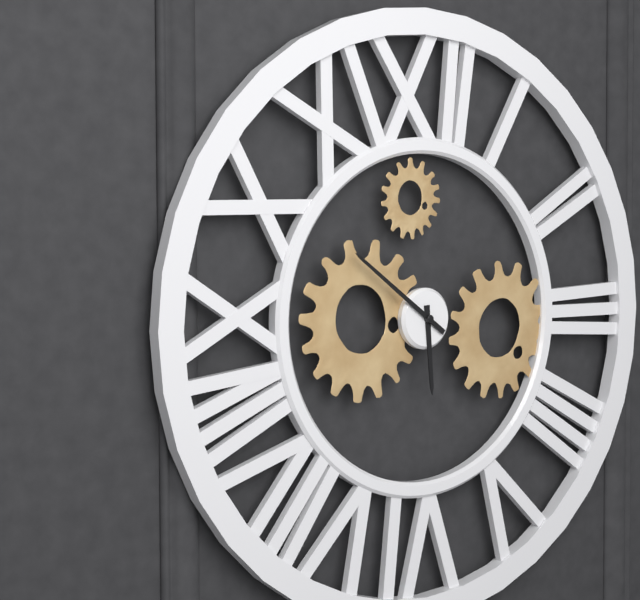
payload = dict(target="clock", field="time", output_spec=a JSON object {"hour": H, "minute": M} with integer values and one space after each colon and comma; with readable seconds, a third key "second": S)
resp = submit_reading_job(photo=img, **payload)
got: {"hour": 5, "minute": 51}
